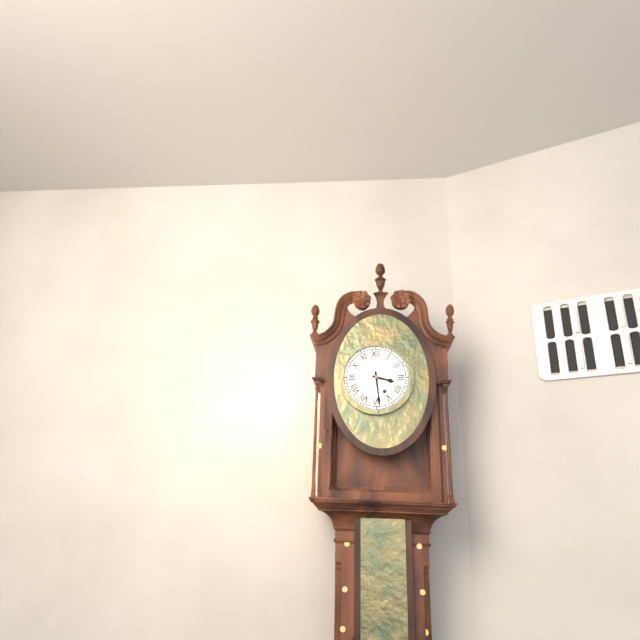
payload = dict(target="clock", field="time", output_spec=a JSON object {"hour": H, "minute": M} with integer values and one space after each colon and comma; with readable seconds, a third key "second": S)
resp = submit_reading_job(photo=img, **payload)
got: {"hour": 3, "minute": 29}
